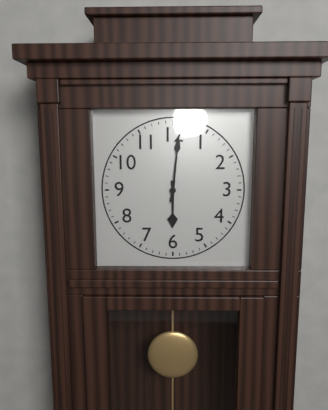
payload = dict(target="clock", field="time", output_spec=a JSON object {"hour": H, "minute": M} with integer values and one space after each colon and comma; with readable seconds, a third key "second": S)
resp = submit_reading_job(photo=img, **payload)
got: {"hour": 6, "minute": 1}
